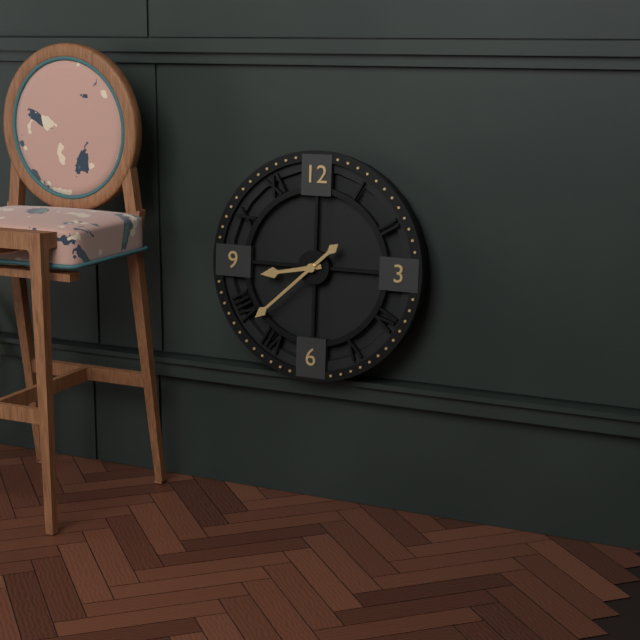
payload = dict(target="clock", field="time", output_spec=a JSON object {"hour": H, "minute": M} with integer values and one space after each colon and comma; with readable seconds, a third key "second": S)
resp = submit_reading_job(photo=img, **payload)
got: {"hour": 8, "minute": 38}
